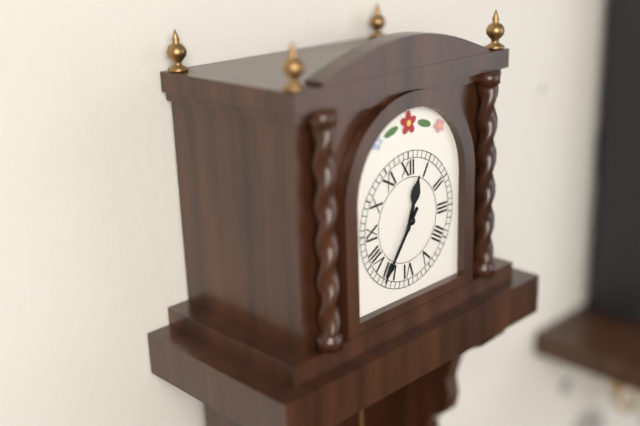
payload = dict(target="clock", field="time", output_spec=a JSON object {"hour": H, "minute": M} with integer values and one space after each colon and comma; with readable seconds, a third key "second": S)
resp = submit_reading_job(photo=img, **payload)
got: {"hour": 12, "minute": 36}
